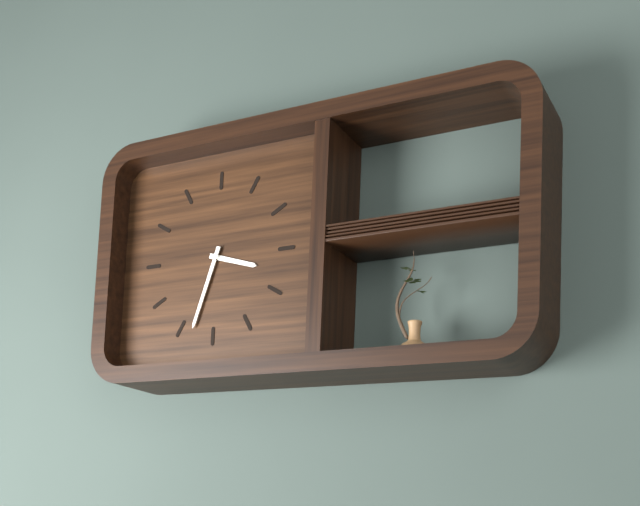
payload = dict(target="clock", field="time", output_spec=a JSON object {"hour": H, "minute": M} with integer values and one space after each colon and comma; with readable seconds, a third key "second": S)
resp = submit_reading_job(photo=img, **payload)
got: {"hour": 3, "minute": 33}
